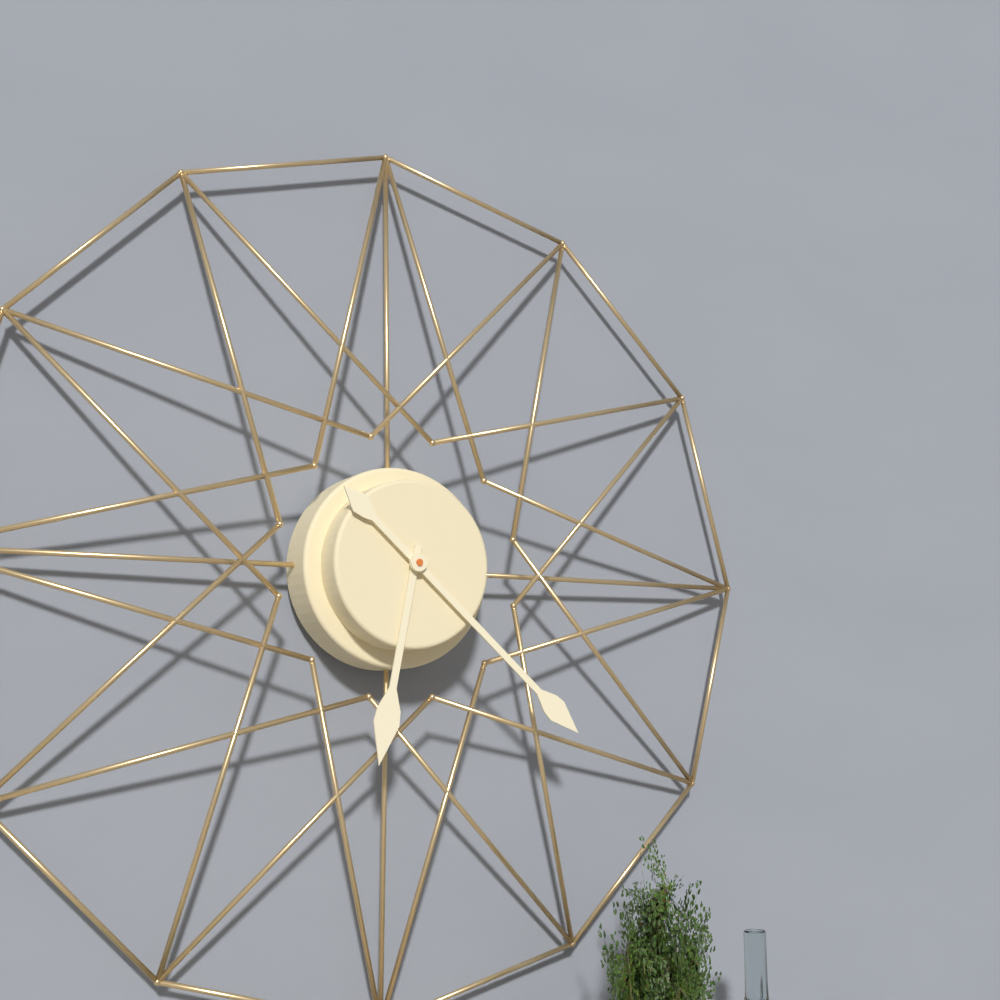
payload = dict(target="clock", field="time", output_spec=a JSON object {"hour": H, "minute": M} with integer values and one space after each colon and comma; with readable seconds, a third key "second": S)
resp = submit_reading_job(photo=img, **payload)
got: {"hour": 6, "minute": 22}
